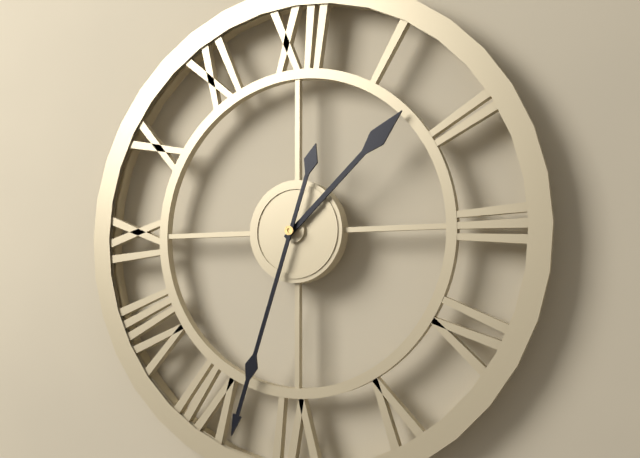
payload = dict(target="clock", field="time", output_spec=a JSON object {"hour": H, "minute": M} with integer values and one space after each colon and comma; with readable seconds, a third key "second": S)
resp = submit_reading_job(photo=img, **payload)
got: {"hour": 1, "minute": 33}
